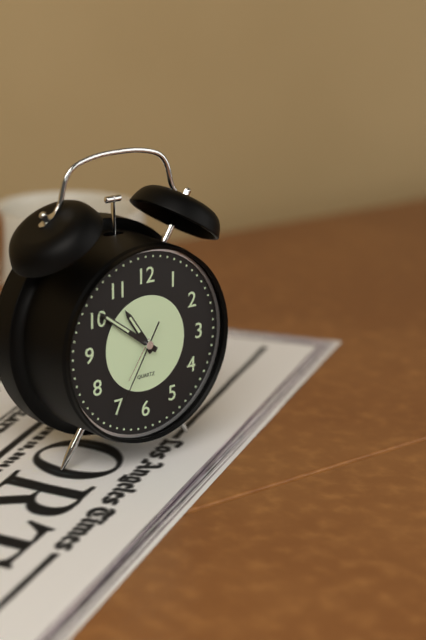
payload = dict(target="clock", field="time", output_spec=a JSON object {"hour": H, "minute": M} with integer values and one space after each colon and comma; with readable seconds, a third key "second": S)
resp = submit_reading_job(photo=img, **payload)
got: {"hour": 10, "minute": 51, "second": 35}
